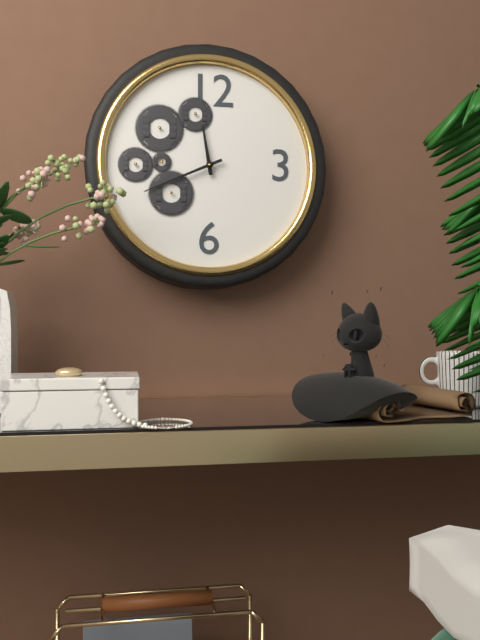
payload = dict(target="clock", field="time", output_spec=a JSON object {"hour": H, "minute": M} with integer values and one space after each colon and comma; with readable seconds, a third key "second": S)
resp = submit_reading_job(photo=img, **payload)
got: {"hour": 11, "minute": 41}
